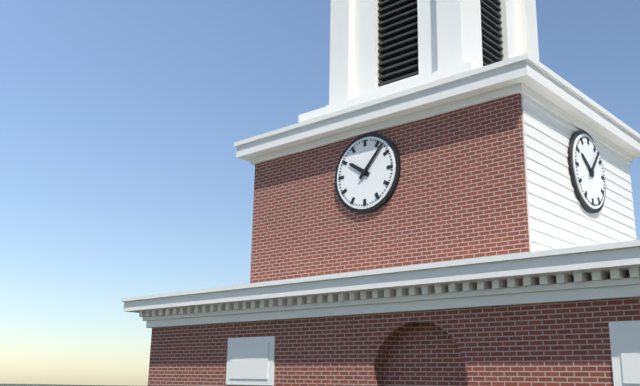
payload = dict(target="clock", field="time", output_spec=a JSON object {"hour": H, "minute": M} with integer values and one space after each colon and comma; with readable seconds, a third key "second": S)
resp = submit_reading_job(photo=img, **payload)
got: {"hour": 10, "minute": 7}
